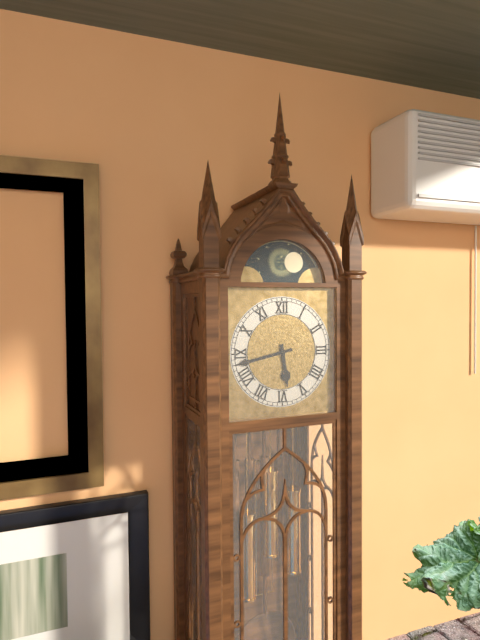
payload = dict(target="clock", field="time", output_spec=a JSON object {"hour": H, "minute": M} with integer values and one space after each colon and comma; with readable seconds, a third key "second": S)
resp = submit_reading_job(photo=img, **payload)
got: {"hour": 5, "minute": 43}
